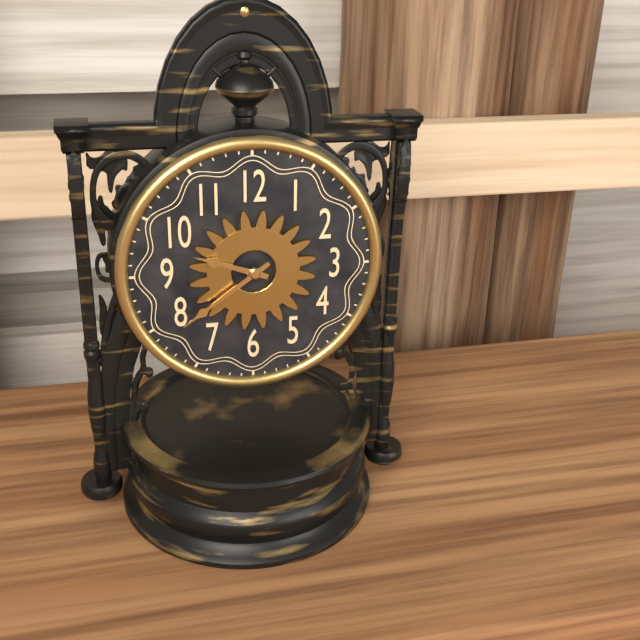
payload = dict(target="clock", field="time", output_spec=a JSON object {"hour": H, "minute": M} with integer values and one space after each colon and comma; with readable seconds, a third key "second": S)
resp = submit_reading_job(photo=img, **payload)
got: {"hour": 9, "minute": 39}
